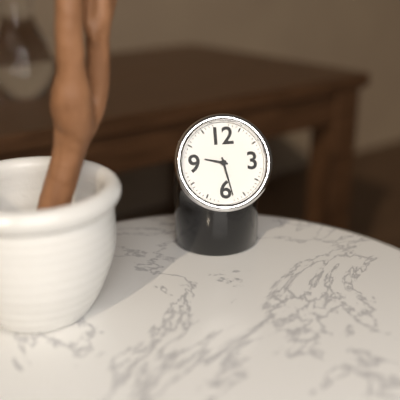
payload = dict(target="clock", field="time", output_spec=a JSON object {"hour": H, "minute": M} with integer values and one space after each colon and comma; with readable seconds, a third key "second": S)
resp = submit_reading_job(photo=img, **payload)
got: {"hour": 9, "minute": 28}
